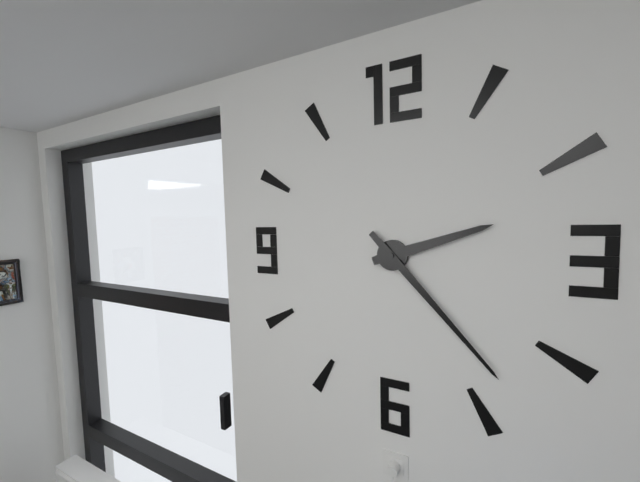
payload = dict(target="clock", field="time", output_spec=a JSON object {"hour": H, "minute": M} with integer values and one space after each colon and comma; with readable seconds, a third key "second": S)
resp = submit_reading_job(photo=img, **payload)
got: {"hour": 2, "minute": 23}
